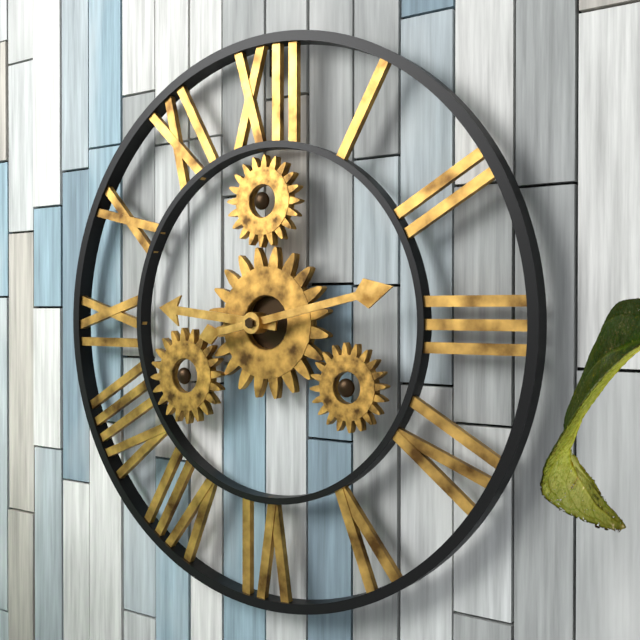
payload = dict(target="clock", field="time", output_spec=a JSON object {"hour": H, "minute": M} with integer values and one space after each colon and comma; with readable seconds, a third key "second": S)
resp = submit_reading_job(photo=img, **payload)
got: {"hour": 9, "minute": 13}
